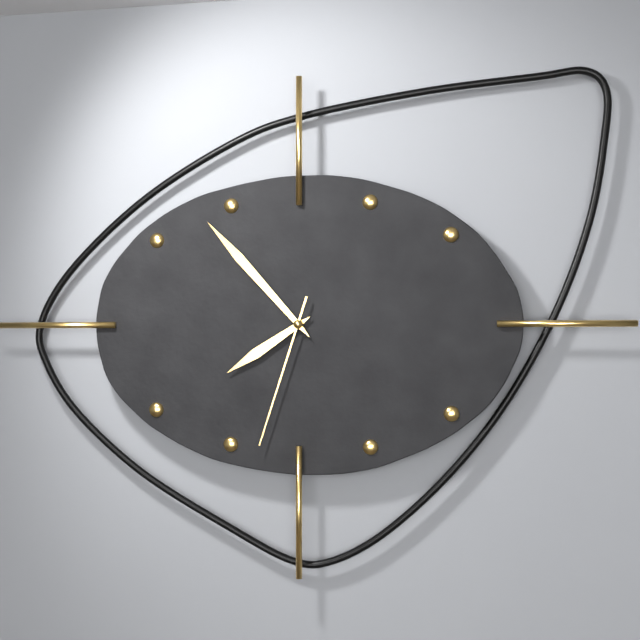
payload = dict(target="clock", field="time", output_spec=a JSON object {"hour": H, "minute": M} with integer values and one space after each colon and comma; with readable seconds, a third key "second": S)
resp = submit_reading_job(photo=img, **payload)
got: {"hour": 7, "minute": 53, "second": 33}
